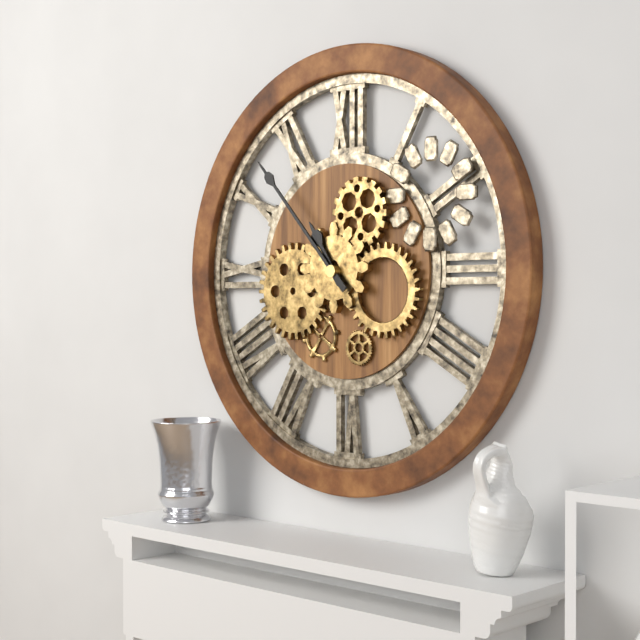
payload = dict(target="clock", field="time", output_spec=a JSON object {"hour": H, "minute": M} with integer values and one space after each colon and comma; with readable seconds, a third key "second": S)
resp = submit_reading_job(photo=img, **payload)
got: {"hour": 10, "minute": 53}
